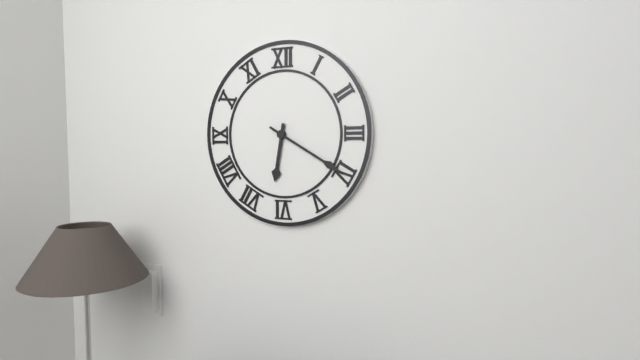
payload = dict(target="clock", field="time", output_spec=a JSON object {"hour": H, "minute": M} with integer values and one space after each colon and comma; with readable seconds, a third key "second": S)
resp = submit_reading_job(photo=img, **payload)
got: {"hour": 6, "minute": 20}
